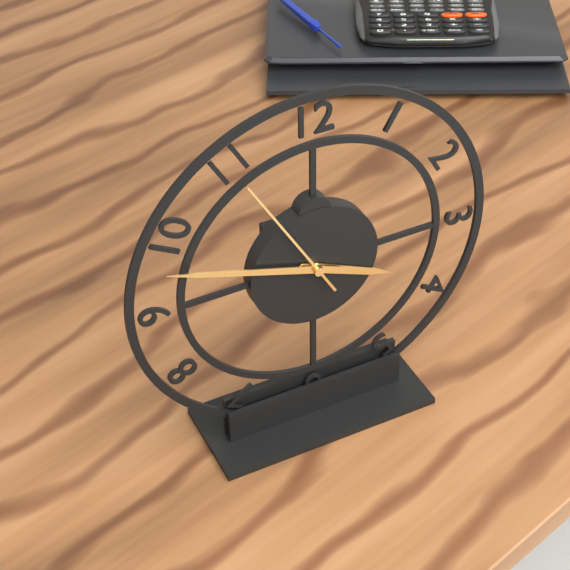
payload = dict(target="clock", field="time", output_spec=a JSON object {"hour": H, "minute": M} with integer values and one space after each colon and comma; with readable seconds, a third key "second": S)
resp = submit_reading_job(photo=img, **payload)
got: {"hour": 3, "minute": 48, "second": 55}
